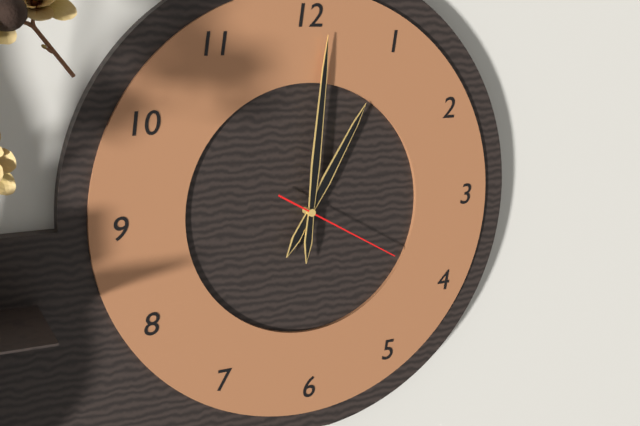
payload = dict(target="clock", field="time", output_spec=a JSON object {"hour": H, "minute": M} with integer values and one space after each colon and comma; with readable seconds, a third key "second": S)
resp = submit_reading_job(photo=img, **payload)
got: {"hour": 1, "minute": 1, "second": 20}
